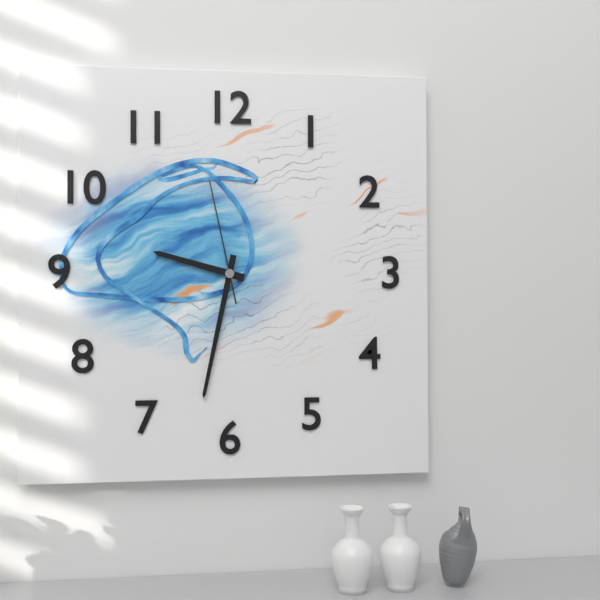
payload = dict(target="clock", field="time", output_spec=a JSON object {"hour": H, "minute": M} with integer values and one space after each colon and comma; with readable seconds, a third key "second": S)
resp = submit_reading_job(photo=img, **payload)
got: {"hour": 9, "minute": 32, "second": 58}
